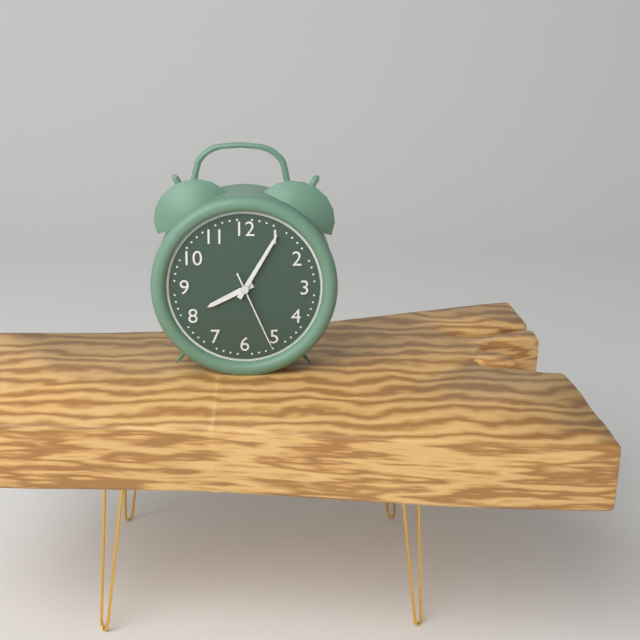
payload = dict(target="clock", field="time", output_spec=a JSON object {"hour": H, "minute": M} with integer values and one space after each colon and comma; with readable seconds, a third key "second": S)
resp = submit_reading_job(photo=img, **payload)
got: {"hour": 8, "minute": 5, "second": 26}
